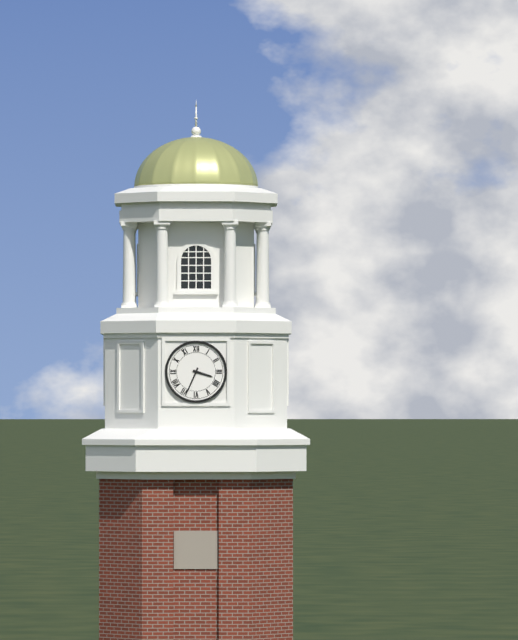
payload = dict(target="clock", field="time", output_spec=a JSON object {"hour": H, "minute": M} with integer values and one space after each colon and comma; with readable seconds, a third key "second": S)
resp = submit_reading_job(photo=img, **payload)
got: {"hour": 3, "minute": 34}
